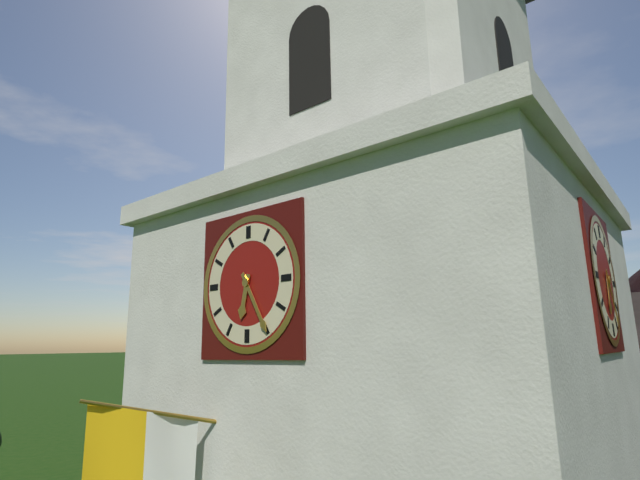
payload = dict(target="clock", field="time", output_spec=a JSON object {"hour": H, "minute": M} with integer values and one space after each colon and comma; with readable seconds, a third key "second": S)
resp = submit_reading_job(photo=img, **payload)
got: {"hour": 6, "minute": 25}
